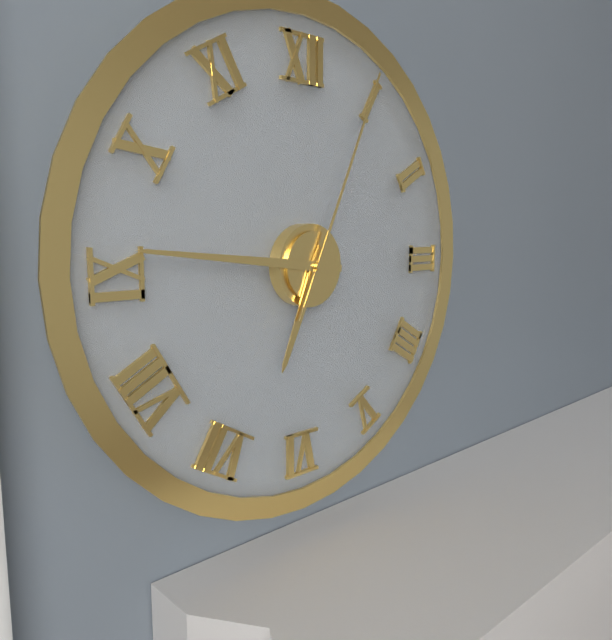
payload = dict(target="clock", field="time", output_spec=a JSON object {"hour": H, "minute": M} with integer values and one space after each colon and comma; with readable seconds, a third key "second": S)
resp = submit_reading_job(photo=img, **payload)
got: {"hour": 6, "minute": 46, "second": 4}
